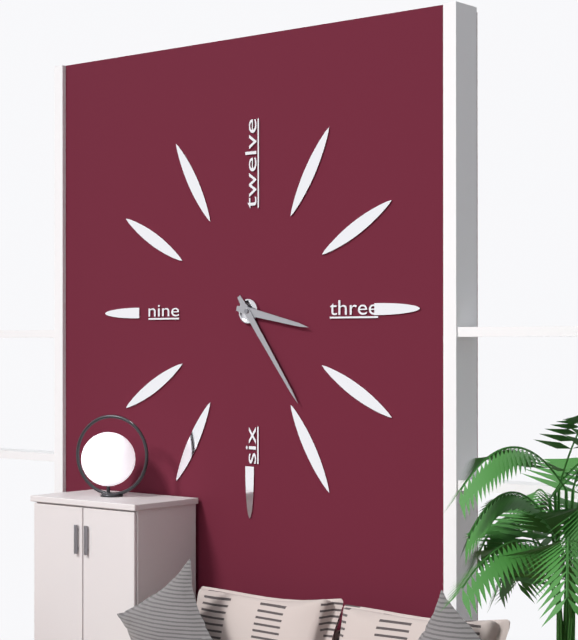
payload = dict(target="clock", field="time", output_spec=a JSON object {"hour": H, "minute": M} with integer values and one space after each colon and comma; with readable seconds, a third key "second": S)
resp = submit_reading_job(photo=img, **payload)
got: {"hour": 3, "minute": 24}
